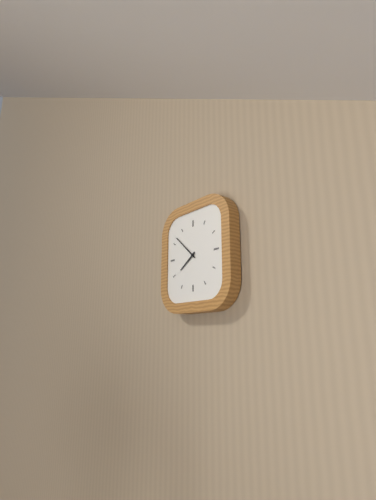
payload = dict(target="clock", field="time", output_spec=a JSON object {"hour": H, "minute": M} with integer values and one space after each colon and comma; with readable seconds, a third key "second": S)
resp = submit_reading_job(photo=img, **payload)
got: {"hour": 7, "minute": 52}
